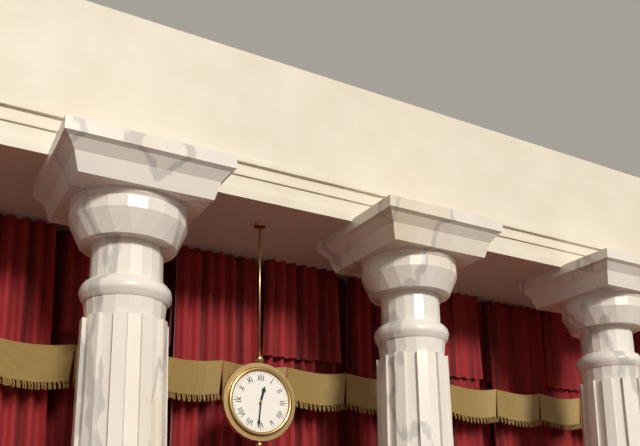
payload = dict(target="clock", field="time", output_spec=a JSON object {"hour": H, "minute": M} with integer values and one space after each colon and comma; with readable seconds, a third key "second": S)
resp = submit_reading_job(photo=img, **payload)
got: {"hour": 12, "minute": 31}
